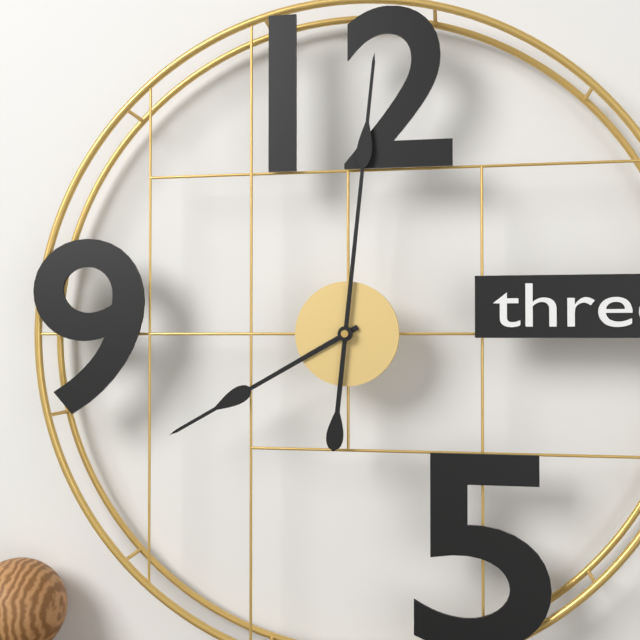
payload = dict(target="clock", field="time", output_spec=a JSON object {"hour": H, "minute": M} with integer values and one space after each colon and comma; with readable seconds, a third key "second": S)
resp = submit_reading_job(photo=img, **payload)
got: {"hour": 8, "minute": 1}
